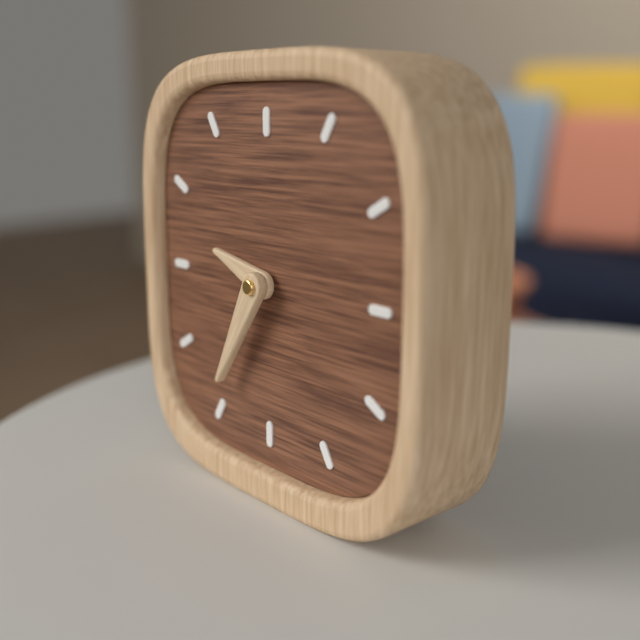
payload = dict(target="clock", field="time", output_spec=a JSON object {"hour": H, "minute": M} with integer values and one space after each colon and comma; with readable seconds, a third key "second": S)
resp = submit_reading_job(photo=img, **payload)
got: {"hour": 9, "minute": 35}
